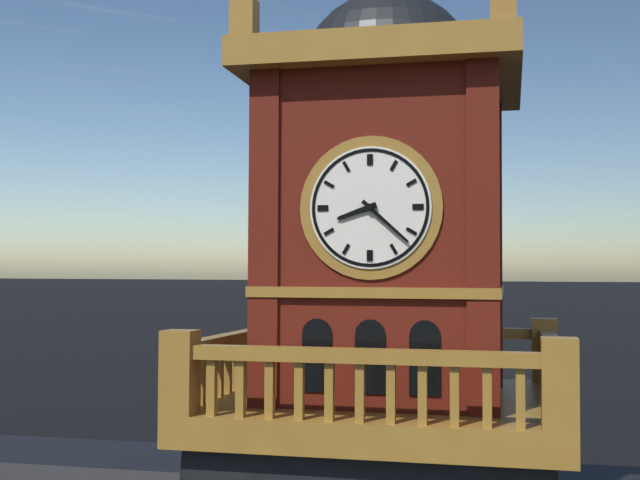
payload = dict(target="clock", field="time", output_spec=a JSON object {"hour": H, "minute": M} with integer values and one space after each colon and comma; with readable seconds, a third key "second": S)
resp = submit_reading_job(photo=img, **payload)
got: {"hour": 8, "minute": 22}
